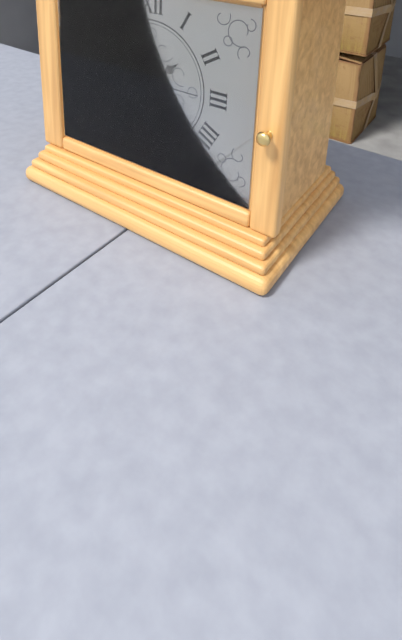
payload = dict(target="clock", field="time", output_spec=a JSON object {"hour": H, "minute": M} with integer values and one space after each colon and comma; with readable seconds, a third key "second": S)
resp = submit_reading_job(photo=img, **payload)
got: {"hour": 1, "minute": 44, "second": 15}
